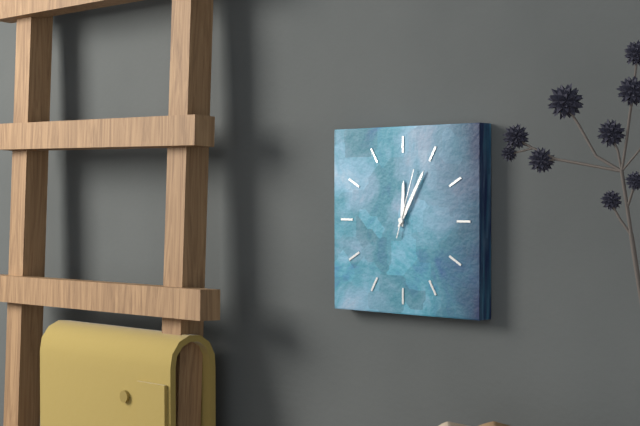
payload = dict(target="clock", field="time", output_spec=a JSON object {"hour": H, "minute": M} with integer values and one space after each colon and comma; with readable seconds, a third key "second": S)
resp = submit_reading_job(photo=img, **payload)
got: {"hour": 12, "minute": 5, "second": 3}
